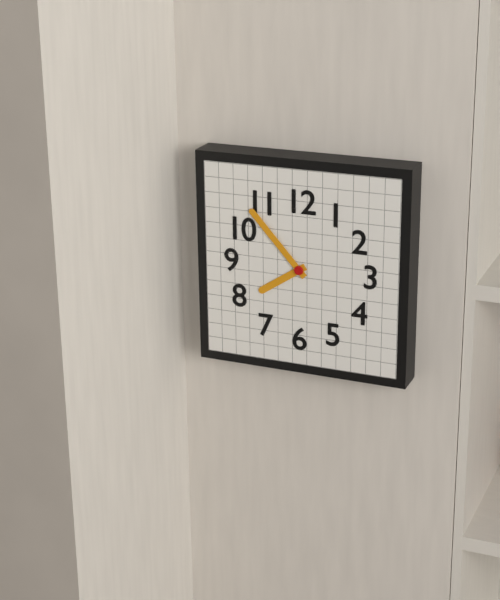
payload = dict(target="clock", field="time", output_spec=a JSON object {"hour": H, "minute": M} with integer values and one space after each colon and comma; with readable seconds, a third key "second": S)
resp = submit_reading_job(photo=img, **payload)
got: {"hour": 7, "minute": 53}
